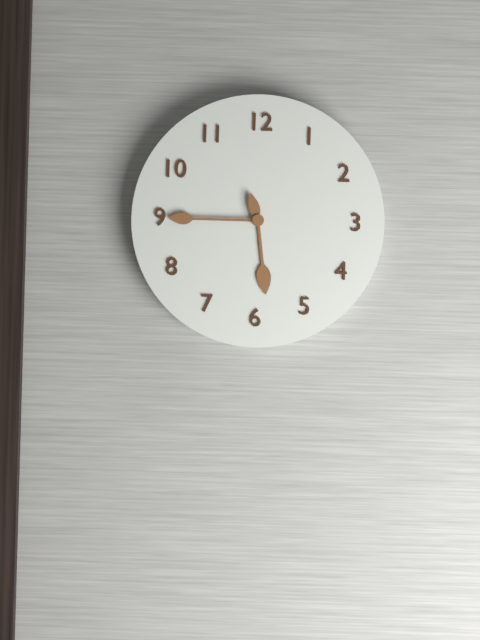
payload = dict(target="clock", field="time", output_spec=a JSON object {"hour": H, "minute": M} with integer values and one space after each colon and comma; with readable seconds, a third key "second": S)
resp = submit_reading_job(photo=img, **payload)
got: {"hour": 5, "minute": 45}
